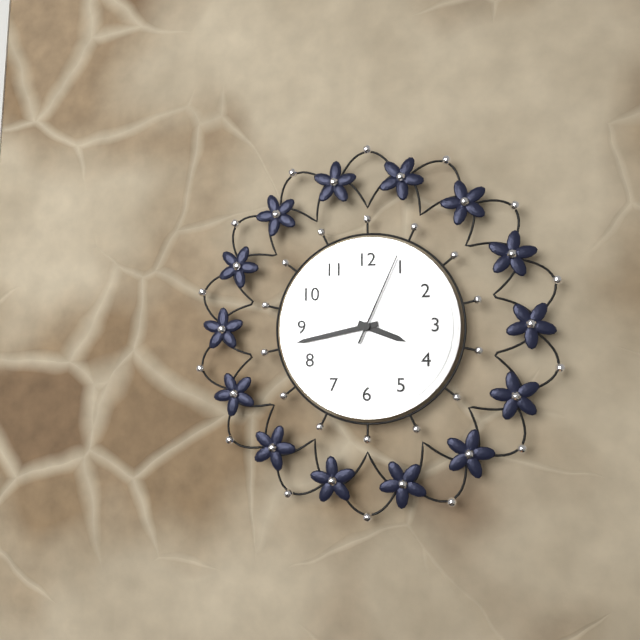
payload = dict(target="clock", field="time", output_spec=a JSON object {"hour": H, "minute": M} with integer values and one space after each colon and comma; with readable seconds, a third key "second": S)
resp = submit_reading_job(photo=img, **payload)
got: {"hour": 3, "minute": 43, "second": 4}
